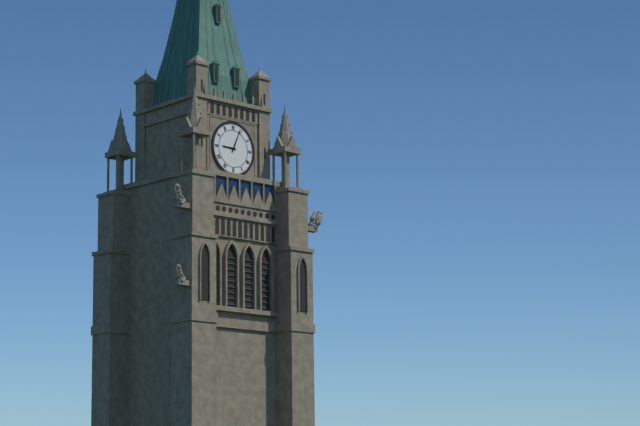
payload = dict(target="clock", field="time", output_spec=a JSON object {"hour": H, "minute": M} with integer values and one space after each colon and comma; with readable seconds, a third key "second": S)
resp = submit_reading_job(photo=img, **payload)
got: {"hour": 9, "minute": 4}
